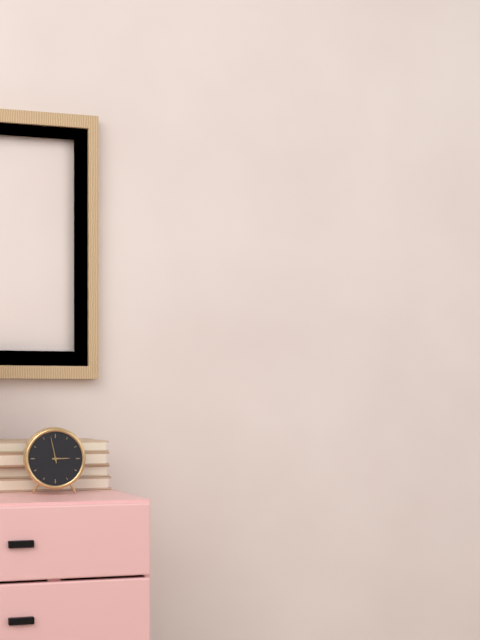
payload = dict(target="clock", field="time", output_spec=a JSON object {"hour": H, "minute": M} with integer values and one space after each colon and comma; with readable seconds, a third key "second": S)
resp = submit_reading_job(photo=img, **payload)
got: {"hour": 2, "minute": 58}
